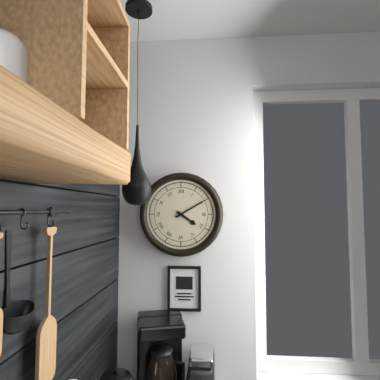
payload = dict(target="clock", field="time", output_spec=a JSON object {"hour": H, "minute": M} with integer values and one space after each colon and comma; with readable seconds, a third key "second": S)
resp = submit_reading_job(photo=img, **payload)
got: {"hour": 4, "minute": 10}
